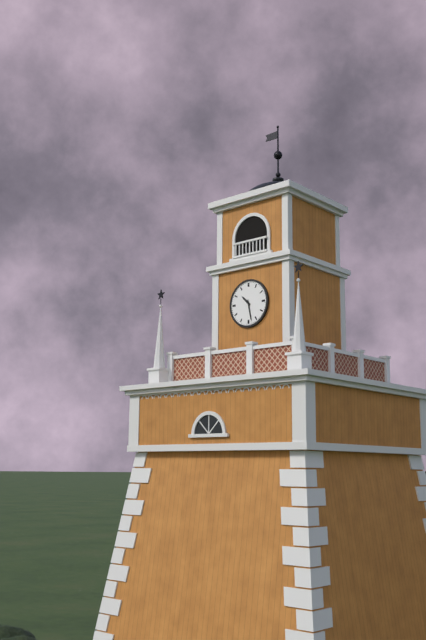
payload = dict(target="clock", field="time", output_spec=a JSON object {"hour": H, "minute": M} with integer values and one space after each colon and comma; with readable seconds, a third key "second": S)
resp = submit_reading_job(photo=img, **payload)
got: {"hour": 10, "minute": 28}
